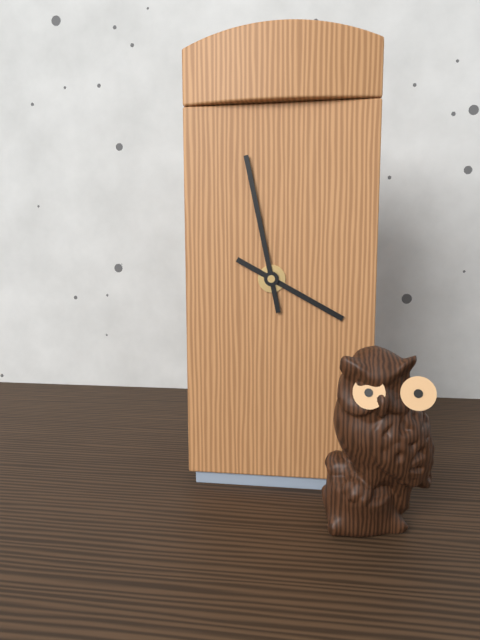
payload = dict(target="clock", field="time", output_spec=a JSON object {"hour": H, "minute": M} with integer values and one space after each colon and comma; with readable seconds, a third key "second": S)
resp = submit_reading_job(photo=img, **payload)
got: {"hour": 3, "minute": 58}
